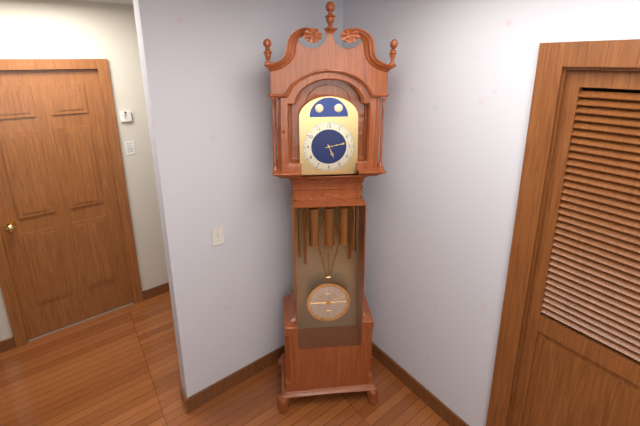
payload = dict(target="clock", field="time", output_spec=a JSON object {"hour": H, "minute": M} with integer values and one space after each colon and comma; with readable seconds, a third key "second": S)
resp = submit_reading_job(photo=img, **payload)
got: {"hour": 5, "minute": 13}
